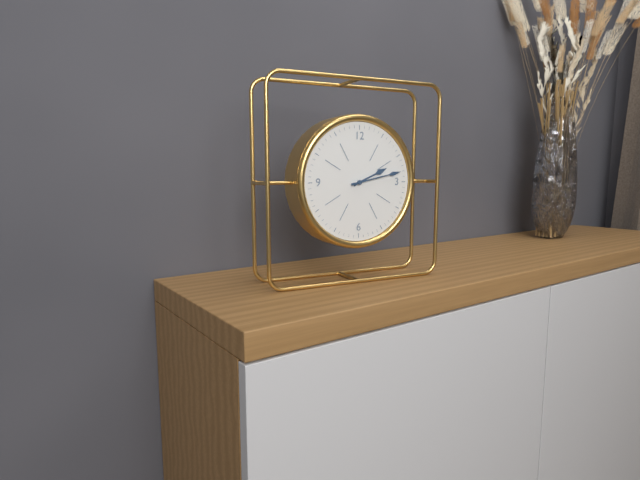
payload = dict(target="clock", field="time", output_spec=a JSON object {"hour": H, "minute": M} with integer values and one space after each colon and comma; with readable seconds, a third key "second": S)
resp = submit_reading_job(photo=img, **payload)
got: {"hour": 2, "minute": 13}
